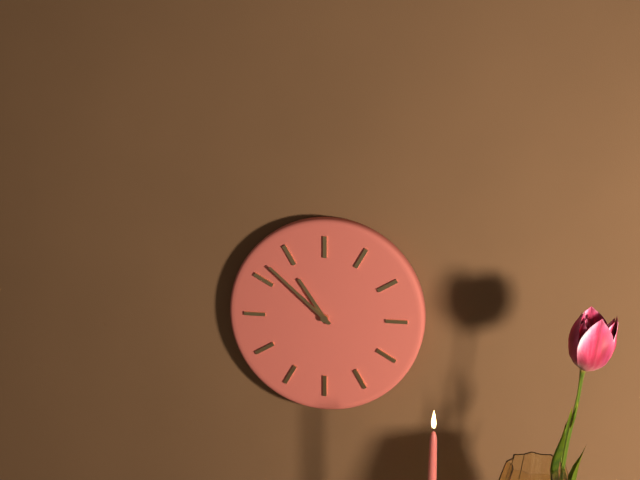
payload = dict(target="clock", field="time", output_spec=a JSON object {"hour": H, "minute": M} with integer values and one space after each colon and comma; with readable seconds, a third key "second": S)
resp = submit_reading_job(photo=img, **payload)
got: {"hour": 10, "minute": 52}
